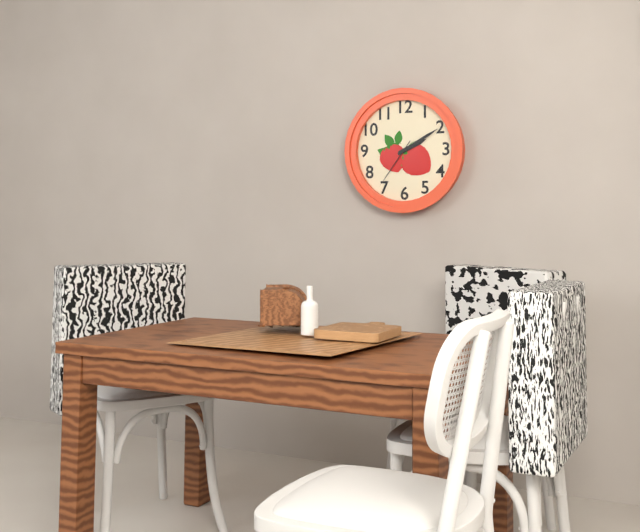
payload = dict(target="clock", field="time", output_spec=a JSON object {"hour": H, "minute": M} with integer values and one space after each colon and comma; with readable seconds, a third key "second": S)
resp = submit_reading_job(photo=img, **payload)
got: {"hour": 2, "minute": 10, "second": 36}
